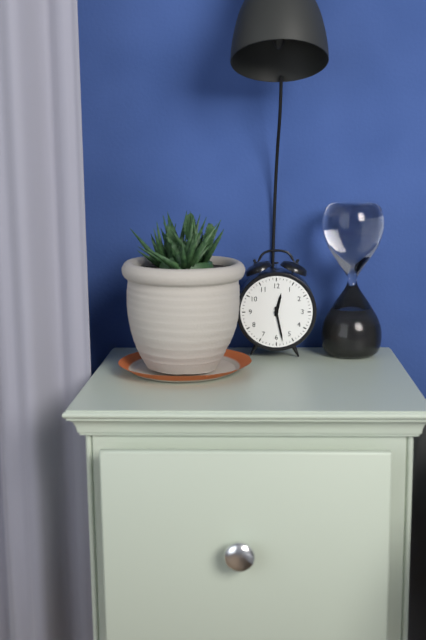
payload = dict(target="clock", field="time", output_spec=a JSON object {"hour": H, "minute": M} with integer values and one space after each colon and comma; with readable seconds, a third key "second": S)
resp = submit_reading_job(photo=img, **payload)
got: {"hour": 12, "minute": 28}
